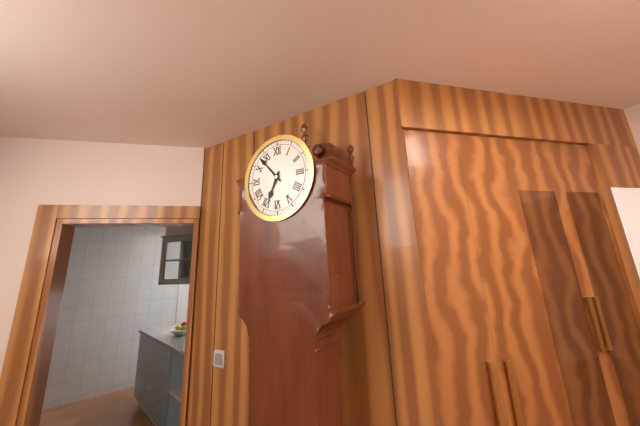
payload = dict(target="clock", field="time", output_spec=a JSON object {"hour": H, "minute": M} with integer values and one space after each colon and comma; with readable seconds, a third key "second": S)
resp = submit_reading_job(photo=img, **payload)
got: {"hour": 6, "minute": 53}
